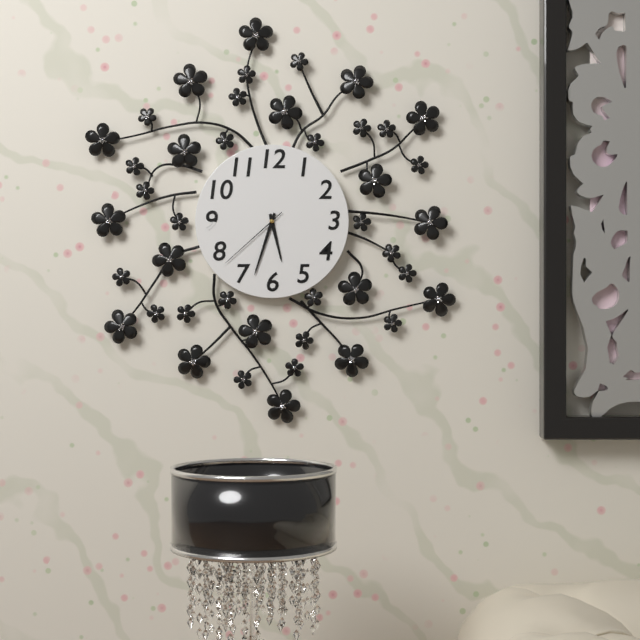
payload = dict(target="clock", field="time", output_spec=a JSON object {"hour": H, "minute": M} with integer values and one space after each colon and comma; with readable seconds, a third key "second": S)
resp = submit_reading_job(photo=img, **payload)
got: {"hour": 5, "minute": 33, "second": 38}
